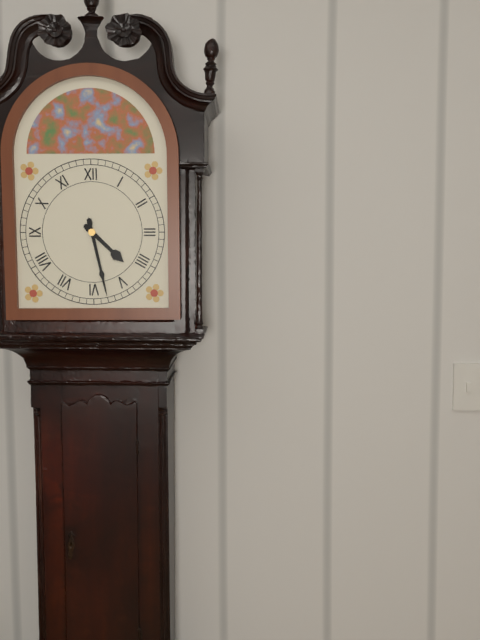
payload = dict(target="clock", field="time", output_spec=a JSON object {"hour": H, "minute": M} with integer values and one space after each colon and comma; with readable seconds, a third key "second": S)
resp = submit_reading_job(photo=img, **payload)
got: {"hour": 4, "minute": 28}
